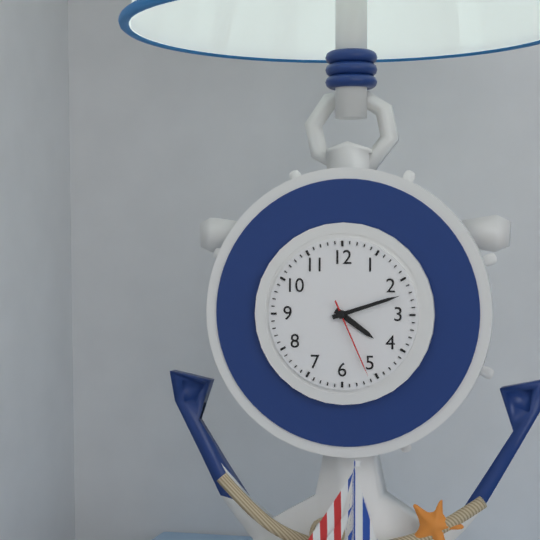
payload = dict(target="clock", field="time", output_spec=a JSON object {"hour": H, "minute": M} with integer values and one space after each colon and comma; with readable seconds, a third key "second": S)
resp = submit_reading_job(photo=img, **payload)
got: {"hour": 4, "minute": 12, "second": 26}
